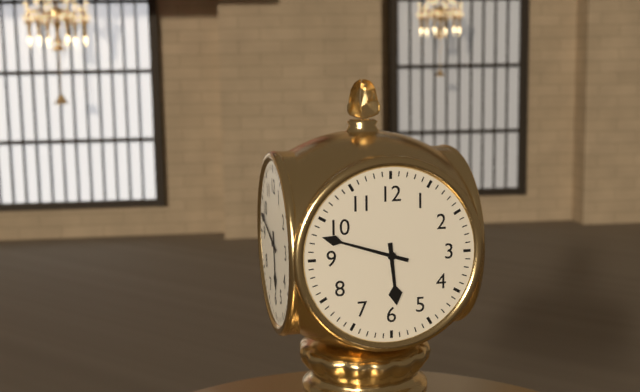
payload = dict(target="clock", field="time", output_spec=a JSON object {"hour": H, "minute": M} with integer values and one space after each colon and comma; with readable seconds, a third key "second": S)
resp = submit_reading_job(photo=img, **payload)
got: {"hour": 5, "minute": 48}
